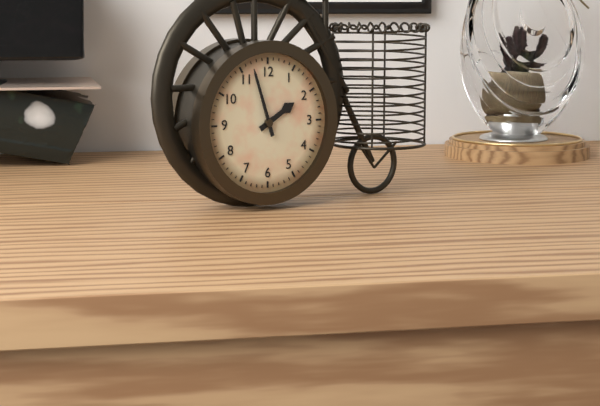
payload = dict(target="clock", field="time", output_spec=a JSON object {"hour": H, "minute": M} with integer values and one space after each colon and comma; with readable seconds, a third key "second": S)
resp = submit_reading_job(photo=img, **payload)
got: {"hour": 1, "minute": 57}
